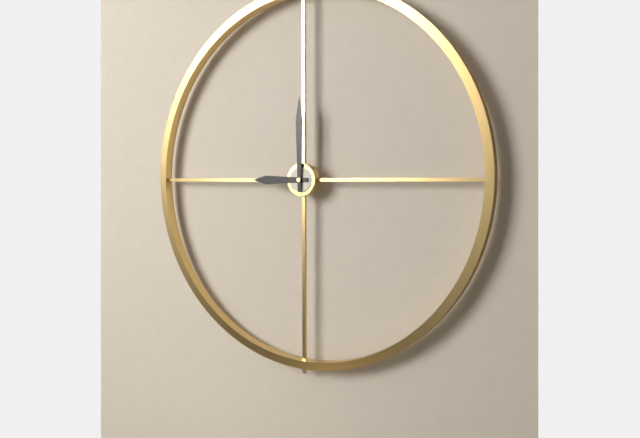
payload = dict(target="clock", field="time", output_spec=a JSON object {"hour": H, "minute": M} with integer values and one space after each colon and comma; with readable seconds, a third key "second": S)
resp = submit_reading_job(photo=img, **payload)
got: {"hour": 9, "minute": 0}
